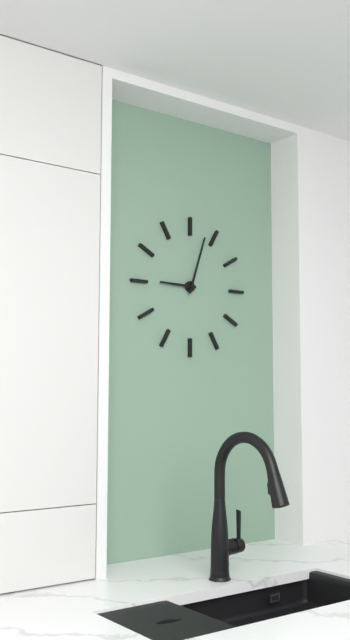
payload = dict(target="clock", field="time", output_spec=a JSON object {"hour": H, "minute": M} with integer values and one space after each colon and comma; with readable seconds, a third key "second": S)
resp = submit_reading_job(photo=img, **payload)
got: {"hour": 9, "minute": 3}
